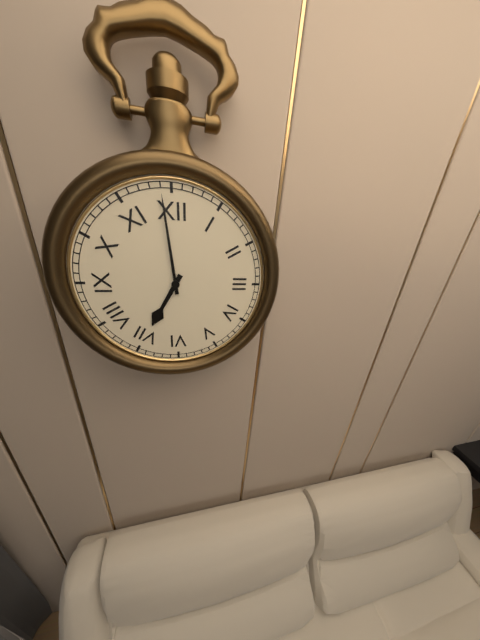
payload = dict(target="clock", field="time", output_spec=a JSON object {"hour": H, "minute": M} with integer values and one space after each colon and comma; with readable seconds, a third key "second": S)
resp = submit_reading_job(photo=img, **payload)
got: {"hour": 6, "minute": 59}
